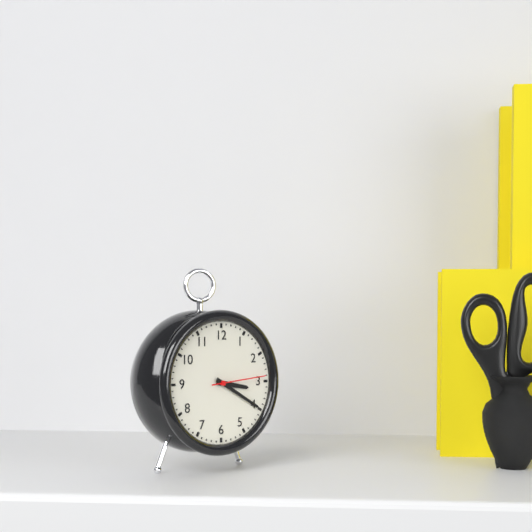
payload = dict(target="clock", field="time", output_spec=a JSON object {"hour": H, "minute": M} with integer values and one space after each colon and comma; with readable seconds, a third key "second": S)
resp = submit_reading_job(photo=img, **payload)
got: {"hour": 3, "minute": 20, "second": 14}
